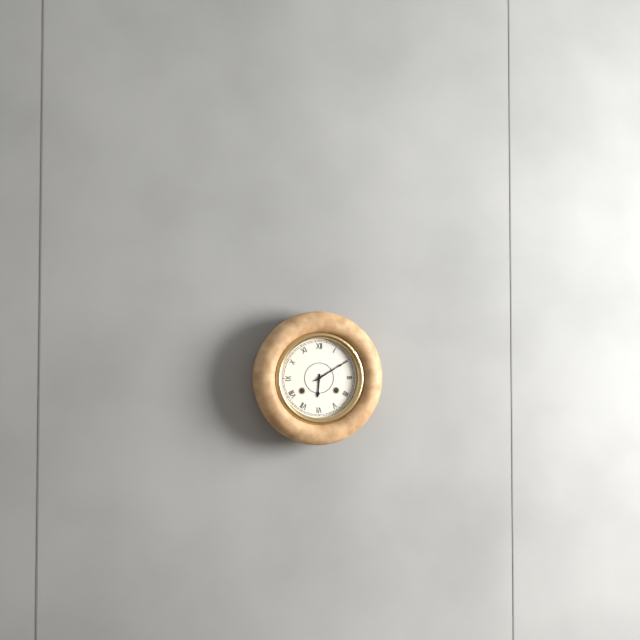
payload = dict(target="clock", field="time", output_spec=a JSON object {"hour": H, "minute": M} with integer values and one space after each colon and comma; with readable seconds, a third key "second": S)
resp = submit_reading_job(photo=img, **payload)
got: {"hour": 6, "minute": 10}
